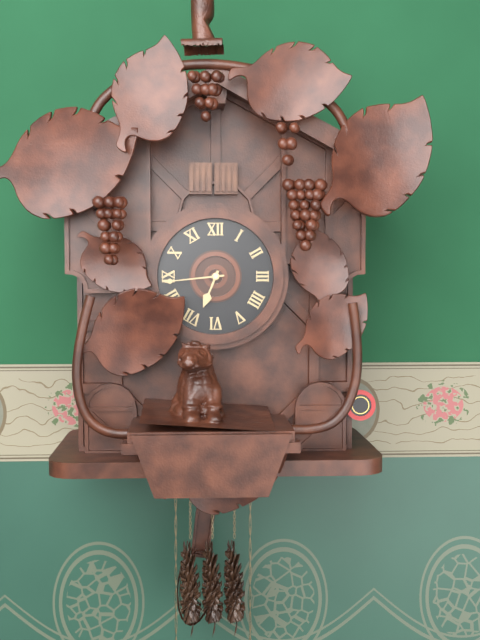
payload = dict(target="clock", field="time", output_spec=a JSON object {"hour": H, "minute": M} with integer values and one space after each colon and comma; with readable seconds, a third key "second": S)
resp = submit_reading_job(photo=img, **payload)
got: {"hour": 6, "minute": 44}
